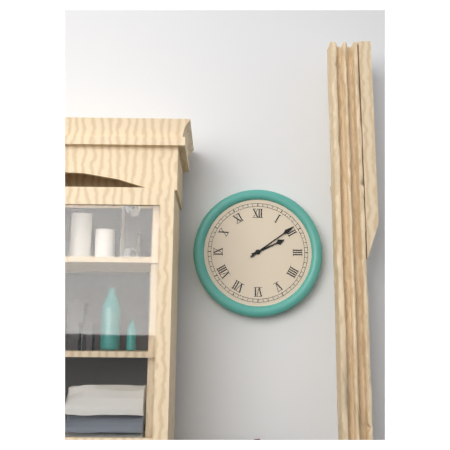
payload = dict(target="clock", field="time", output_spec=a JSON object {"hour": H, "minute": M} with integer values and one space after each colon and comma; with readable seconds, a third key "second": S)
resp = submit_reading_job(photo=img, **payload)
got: {"hour": 2, "minute": 9}
